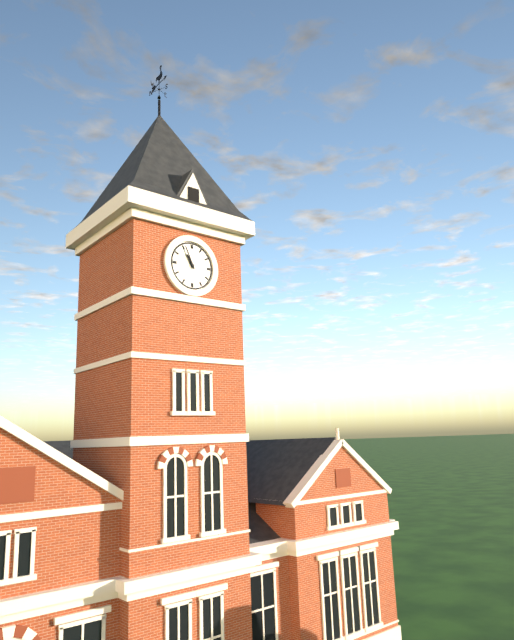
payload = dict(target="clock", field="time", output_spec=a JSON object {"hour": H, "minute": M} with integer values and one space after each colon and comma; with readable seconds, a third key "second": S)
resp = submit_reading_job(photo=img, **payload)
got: {"hour": 10, "minute": 56}
